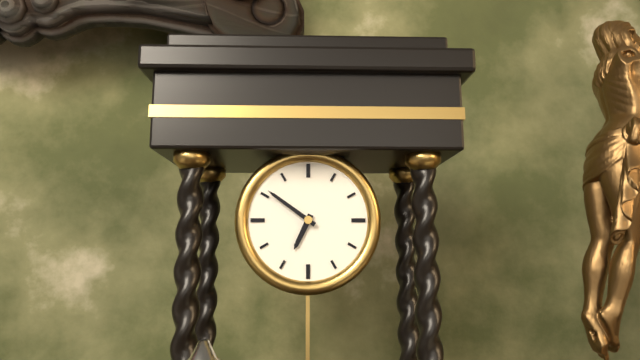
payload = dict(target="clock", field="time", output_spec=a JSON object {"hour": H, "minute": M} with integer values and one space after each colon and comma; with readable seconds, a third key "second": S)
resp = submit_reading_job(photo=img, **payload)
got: {"hour": 6, "minute": 51}
